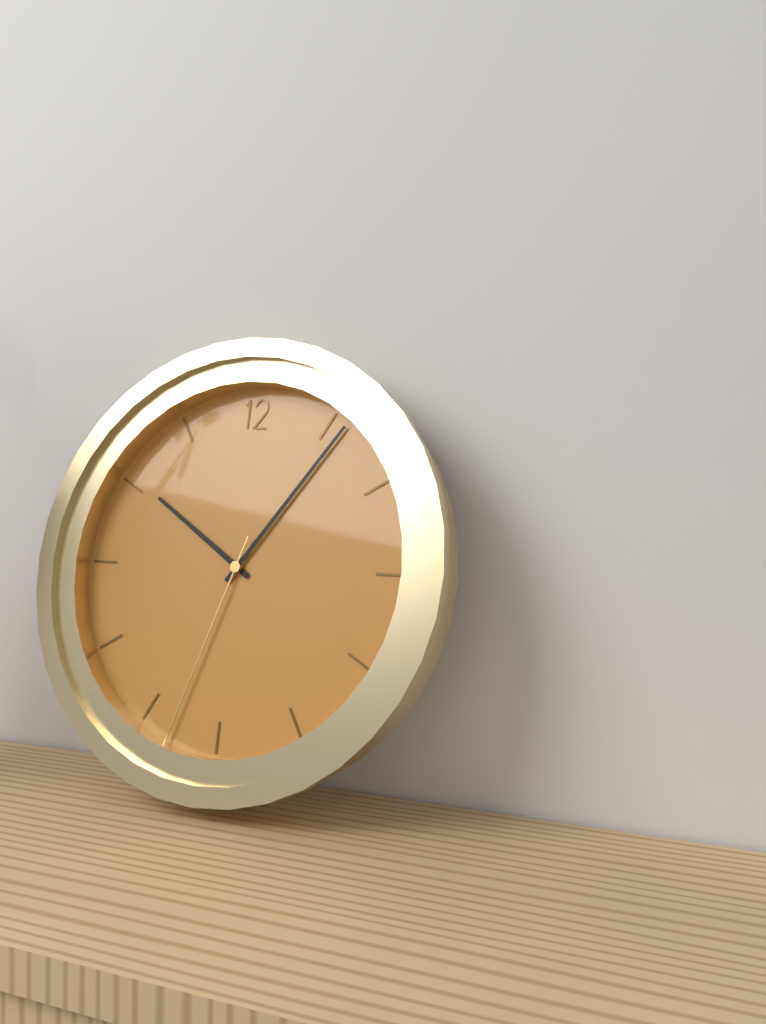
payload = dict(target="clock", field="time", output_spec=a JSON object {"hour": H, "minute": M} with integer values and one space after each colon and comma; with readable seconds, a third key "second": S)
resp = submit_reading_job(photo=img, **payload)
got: {"hour": 10, "minute": 6, "second": 33}
